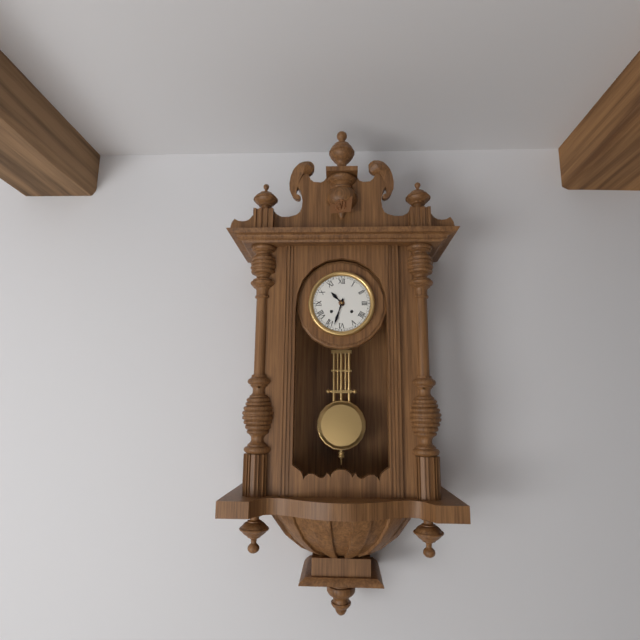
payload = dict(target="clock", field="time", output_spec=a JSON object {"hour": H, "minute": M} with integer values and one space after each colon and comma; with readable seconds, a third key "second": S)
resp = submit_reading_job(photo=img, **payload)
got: {"hour": 10, "minute": 33}
